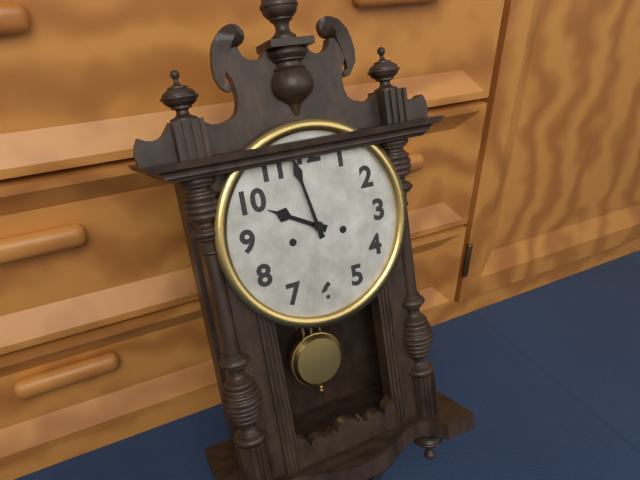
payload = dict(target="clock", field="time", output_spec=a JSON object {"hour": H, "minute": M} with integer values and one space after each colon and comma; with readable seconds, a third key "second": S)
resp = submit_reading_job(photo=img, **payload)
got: {"hour": 9, "minute": 58}
